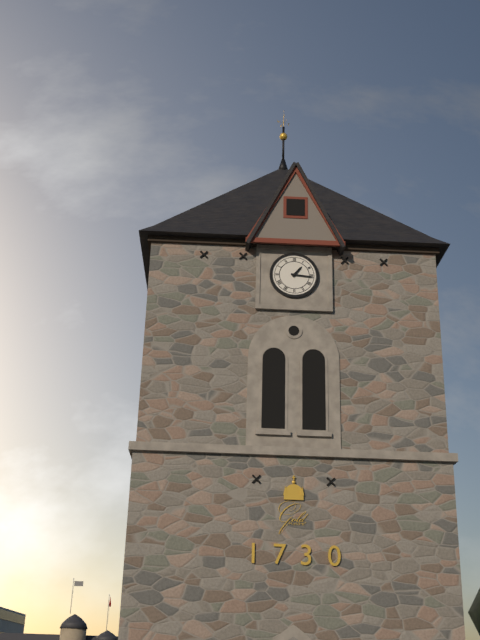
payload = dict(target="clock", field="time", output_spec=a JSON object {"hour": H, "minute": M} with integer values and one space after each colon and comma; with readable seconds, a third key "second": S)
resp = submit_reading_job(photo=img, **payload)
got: {"hour": 1, "minute": 16}
